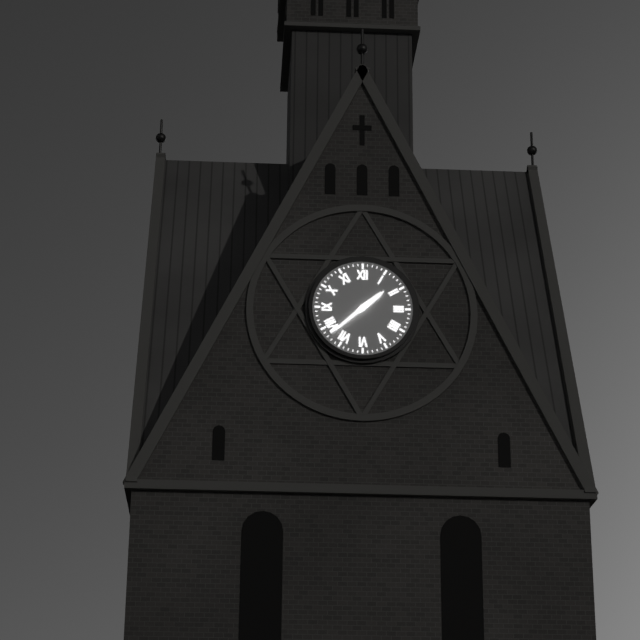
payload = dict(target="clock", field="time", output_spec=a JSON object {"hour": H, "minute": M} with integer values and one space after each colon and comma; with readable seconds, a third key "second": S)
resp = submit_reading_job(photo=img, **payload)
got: {"hour": 1, "minute": 38}
